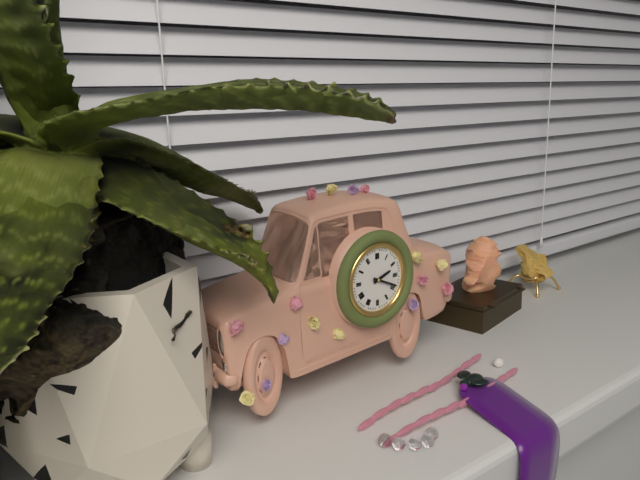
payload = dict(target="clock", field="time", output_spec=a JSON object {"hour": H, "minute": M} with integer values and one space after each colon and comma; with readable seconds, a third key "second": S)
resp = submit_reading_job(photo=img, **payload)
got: {"hour": 2, "minute": 19}
